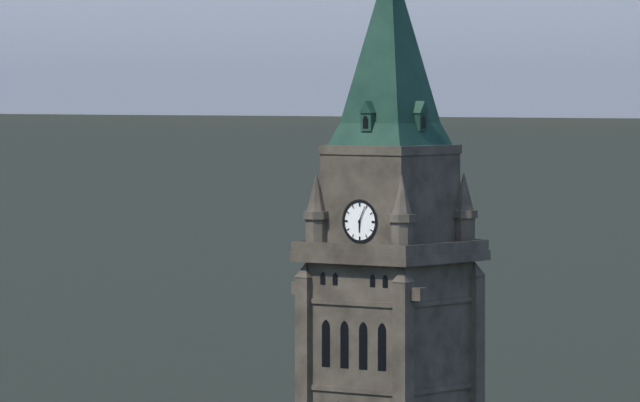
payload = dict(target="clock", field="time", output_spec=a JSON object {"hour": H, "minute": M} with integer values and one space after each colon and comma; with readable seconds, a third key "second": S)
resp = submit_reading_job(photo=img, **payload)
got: {"hour": 6, "minute": 4}
